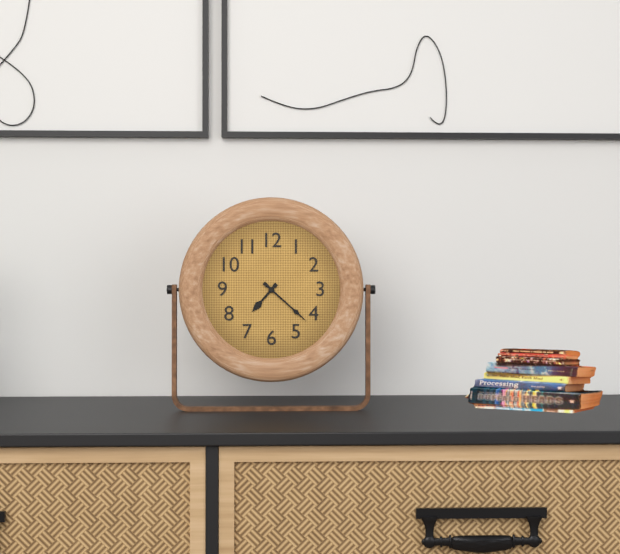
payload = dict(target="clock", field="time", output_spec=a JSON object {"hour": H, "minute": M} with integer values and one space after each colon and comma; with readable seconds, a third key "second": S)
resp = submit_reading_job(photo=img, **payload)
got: {"hour": 7, "minute": 22}
